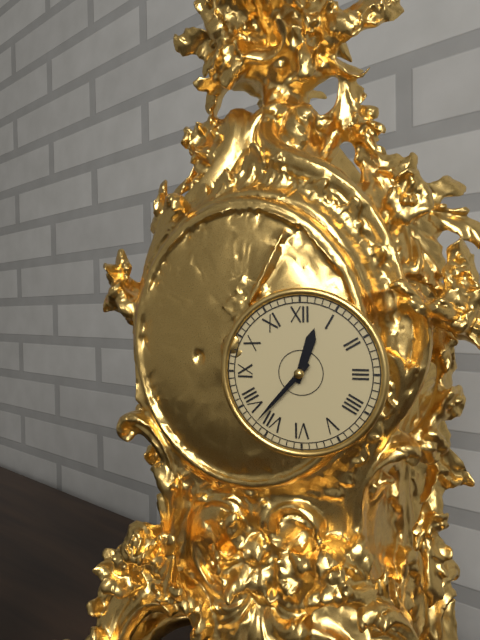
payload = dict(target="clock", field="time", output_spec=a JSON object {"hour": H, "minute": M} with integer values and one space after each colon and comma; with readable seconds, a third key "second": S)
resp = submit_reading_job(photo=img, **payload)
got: {"hour": 12, "minute": 37}
